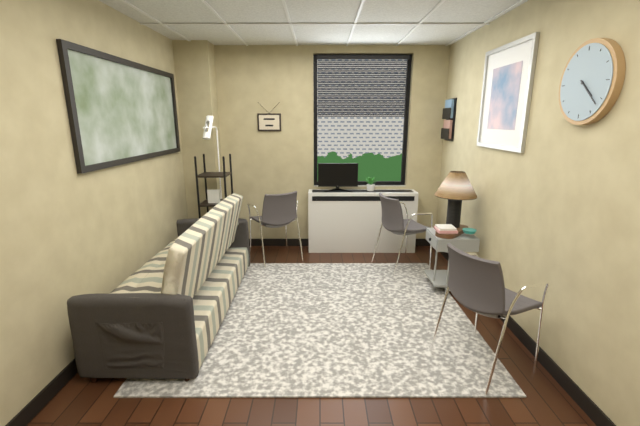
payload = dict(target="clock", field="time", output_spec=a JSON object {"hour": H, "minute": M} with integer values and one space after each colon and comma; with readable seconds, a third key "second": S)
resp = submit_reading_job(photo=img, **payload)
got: {"hour": 4, "minute": 22}
